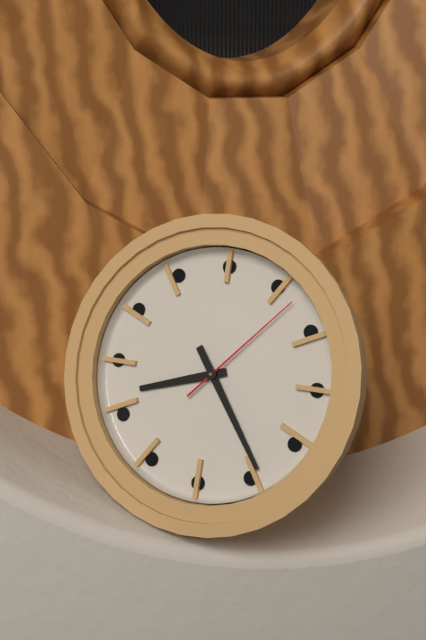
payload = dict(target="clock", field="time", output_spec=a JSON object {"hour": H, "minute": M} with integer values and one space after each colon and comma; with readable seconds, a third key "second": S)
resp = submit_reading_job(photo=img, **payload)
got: {"hour": 8, "minute": 24, "second": 7}
